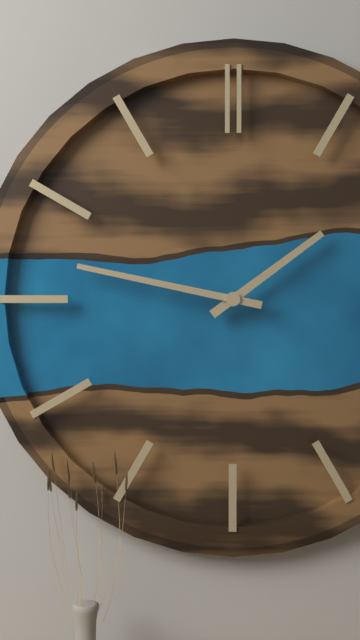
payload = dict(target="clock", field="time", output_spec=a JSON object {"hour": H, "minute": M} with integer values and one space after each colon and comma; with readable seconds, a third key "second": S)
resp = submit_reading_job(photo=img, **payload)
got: {"hour": 1, "minute": 47}
